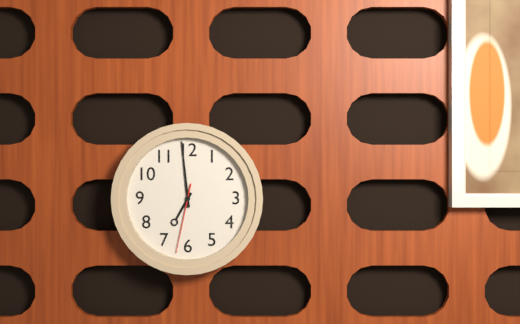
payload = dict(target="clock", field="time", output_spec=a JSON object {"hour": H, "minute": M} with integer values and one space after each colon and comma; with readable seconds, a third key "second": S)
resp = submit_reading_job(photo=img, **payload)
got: {"hour": 6, "minute": 59, "second": 32}
